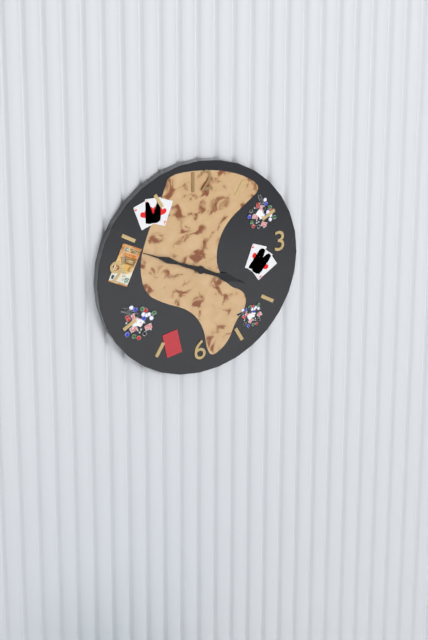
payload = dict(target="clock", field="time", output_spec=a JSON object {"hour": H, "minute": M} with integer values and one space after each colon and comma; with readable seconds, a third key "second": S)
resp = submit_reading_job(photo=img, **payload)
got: {"hour": 3, "minute": 49}
